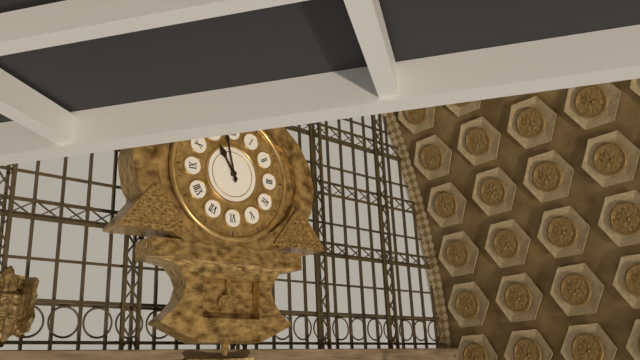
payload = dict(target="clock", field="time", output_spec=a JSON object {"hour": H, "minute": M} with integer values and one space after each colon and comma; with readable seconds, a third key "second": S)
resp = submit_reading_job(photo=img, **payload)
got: {"hour": 10, "minute": 58}
